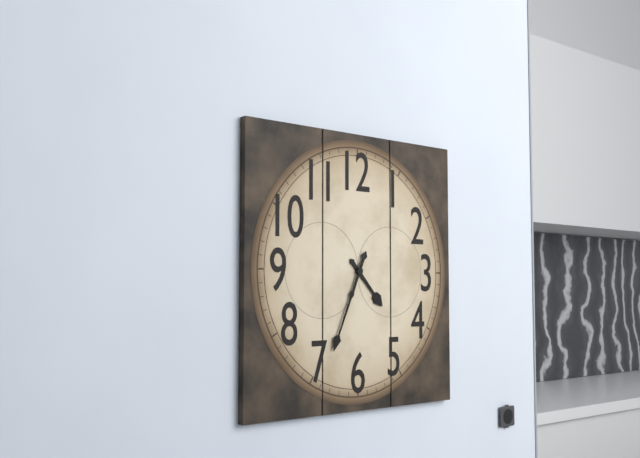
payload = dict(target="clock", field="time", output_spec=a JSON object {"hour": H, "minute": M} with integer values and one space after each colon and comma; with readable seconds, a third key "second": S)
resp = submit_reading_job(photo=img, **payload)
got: {"hour": 4, "minute": 34}
